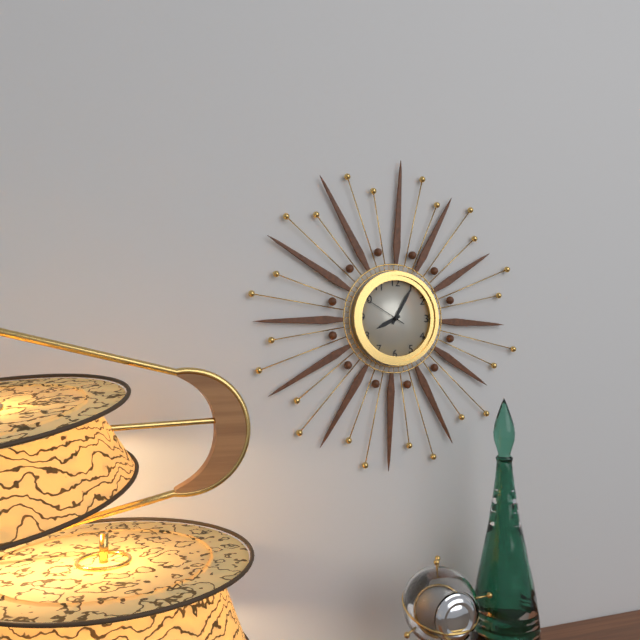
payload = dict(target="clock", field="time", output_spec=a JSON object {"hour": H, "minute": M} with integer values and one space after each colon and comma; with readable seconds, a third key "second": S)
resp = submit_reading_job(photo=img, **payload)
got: {"hour": 8, "minute": 5}
